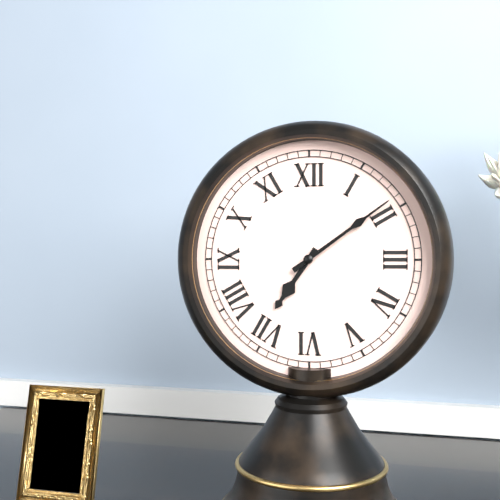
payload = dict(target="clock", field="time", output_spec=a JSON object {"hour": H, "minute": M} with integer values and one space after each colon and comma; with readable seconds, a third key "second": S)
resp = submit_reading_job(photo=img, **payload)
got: {"hour": 7, "minute": 9}
